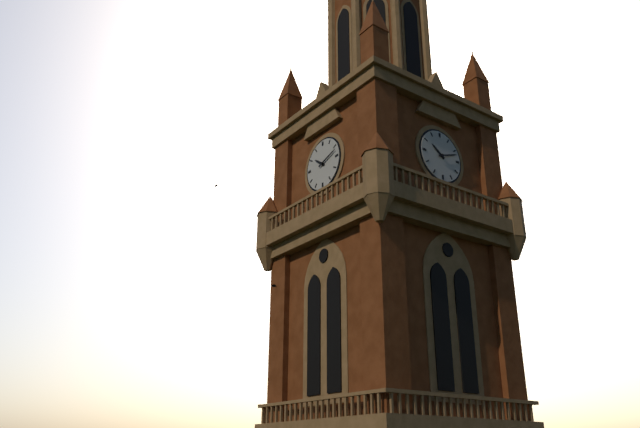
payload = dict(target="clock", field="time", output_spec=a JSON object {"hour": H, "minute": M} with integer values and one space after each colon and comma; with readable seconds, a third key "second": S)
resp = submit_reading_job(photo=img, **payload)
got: {"hour": 10, "minute": 12}
